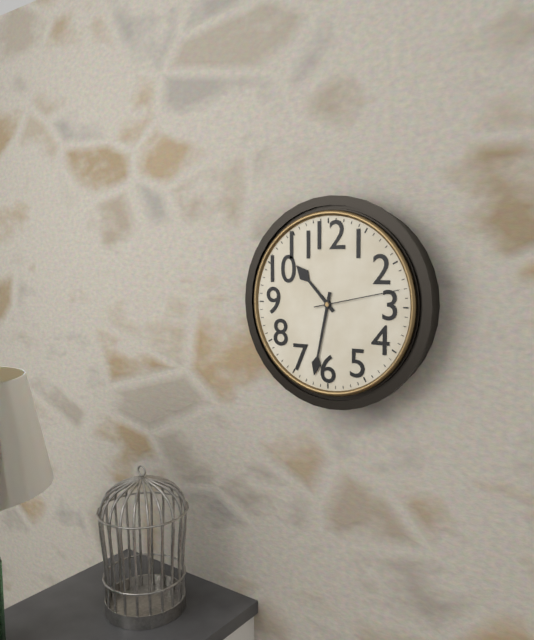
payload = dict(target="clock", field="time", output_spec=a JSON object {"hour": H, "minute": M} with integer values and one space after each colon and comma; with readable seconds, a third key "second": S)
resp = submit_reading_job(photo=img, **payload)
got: {"hour": 10, "minute": 32, "second": 13}
